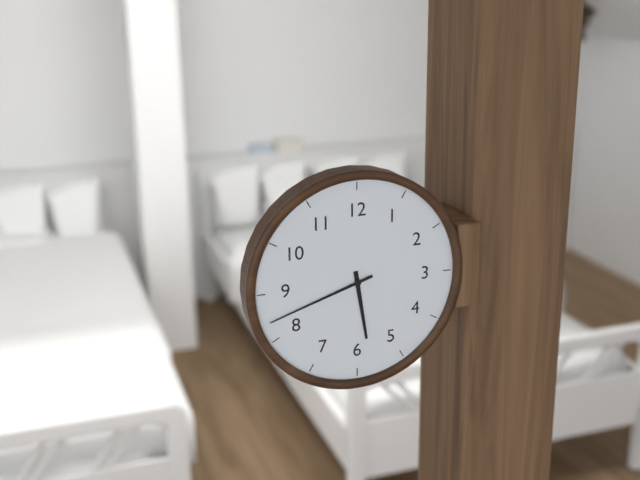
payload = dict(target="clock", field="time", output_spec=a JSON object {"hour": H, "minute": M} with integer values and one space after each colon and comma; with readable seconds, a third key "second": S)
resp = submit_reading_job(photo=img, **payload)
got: {"hour": 5, "minute": 42}
